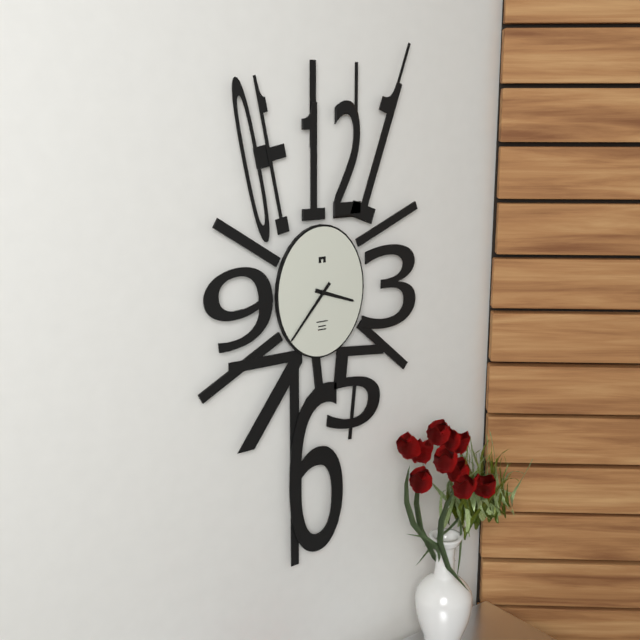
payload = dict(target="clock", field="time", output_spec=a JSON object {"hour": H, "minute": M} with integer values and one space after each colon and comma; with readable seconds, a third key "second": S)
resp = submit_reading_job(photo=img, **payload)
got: {"hour": 3, "minute": 37}
